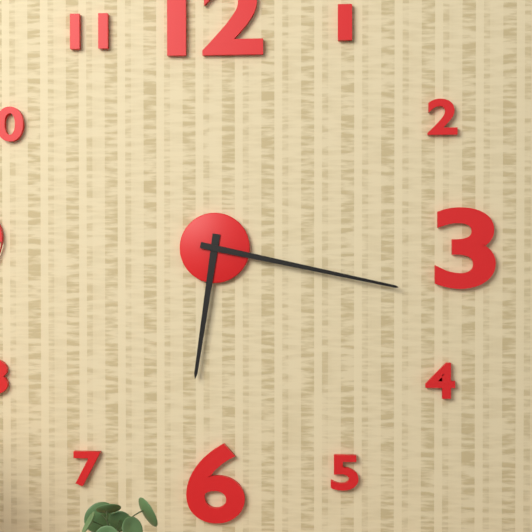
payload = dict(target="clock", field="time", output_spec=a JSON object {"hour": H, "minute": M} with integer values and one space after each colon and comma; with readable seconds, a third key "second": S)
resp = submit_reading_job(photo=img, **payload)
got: {"hour": 6, "minute": 17}
